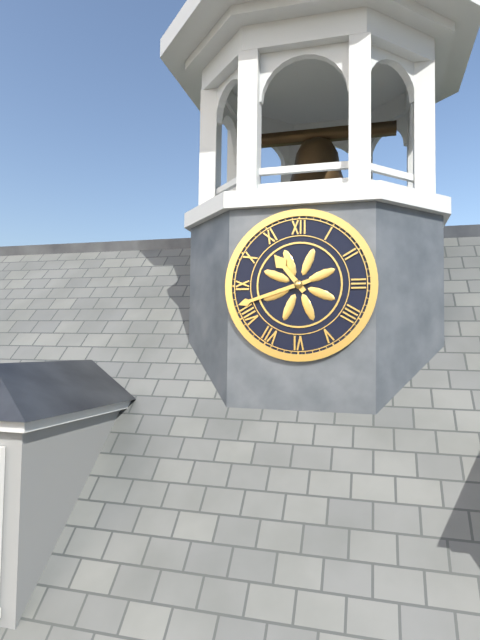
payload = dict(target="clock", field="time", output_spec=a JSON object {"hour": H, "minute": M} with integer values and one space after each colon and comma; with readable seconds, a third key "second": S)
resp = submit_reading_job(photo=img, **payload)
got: {"hour": 10, "minute": 42}
